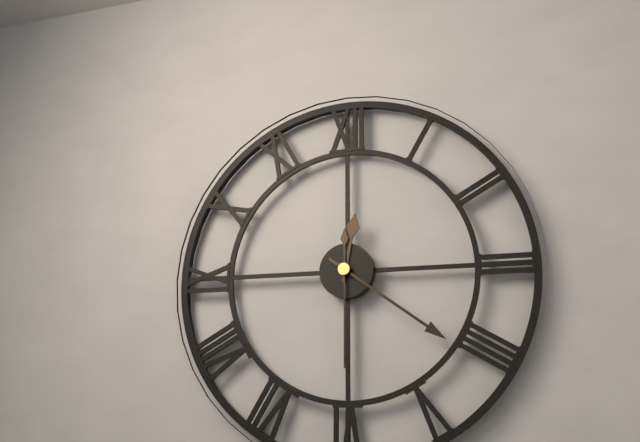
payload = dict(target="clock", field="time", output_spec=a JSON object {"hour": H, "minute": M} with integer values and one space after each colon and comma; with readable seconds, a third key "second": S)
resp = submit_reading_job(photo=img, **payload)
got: {"hour": 12, "minute": 21, "second": 30}
